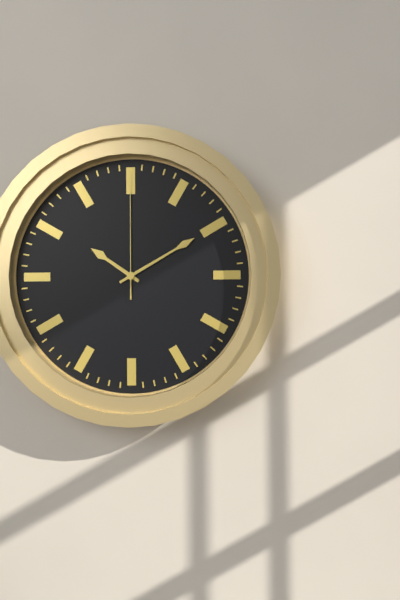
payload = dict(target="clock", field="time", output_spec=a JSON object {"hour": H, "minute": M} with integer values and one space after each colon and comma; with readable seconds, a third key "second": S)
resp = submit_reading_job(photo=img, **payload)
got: {"hour": 10, "minute": 10, "second": 0}
